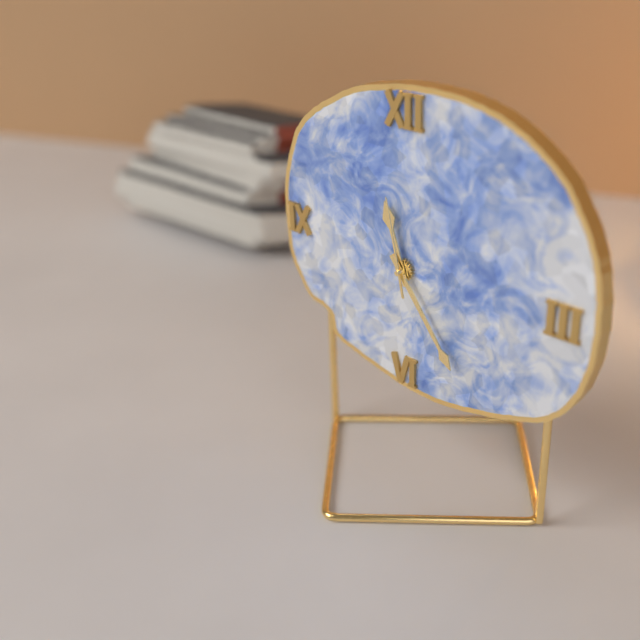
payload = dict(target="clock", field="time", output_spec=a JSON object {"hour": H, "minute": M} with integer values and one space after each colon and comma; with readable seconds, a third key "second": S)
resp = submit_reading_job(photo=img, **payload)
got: {"hour": 11, "minute": 24, "second": 58}
